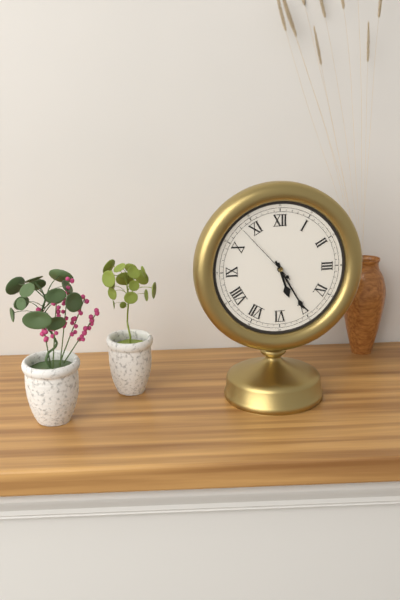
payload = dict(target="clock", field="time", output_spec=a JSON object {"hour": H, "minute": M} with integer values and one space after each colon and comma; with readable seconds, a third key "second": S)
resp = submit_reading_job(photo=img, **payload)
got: {"hour": 5, "minute": 25, "second": 53}
